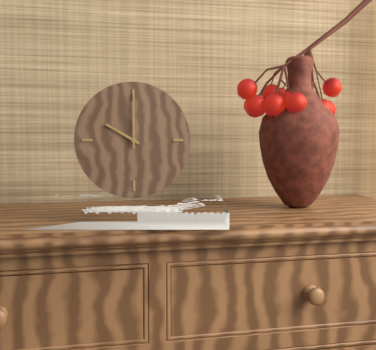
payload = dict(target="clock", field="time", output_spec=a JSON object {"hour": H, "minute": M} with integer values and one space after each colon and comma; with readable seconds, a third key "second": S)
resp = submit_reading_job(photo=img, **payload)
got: {"hour": 10, "minute": 0}
